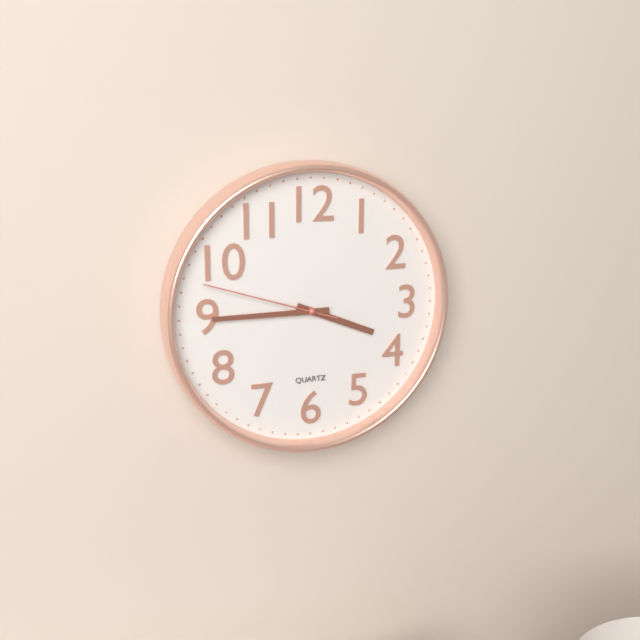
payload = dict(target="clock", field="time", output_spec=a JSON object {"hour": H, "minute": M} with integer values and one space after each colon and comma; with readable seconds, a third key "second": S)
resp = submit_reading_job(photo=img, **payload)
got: {"hour": 3, "minute": 45, "second": 48}
